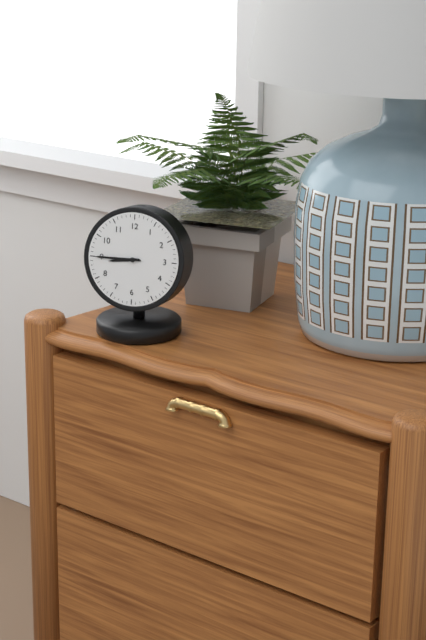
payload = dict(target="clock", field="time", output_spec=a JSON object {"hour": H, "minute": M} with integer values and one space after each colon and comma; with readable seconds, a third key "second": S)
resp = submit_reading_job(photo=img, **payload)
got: {"hour": 8, "minute": 45}
